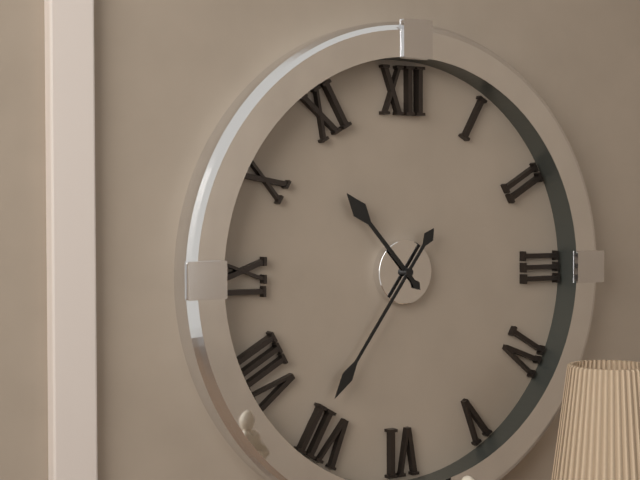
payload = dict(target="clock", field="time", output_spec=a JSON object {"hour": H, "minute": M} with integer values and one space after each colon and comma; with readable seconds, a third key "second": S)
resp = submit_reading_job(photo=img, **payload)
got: {"hour": 10, "minute": 36}
